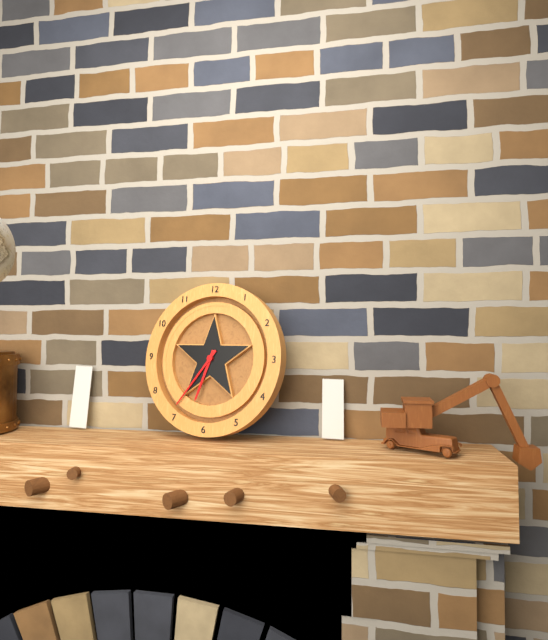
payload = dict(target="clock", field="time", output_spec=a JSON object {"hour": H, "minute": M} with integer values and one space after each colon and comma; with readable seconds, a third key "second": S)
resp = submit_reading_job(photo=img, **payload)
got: {"hour": 6, "minute": 36}
